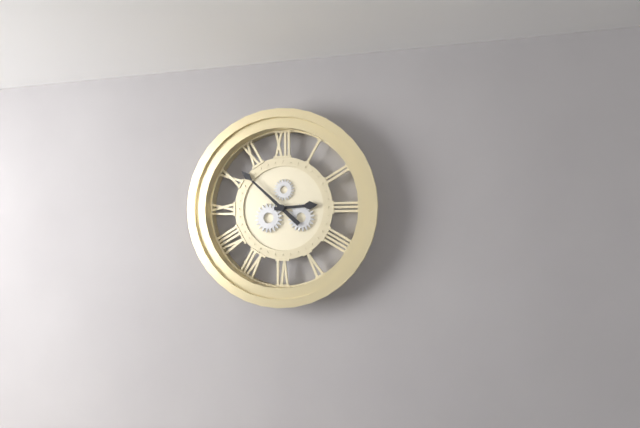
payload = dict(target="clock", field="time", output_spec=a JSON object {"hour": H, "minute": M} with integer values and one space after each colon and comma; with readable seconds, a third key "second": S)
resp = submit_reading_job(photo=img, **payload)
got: {"hour": 2, "minute": 52}
